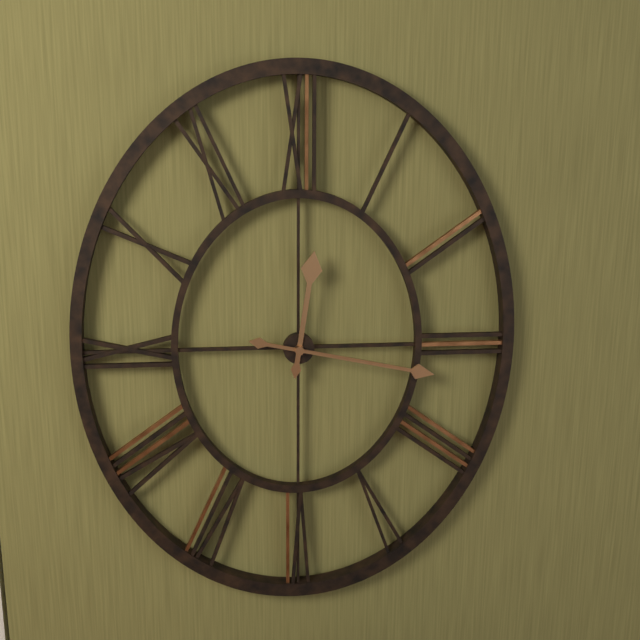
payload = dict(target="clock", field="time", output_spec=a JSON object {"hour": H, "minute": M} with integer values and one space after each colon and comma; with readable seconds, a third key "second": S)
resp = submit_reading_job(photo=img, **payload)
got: {"hour": 12, "minute": 17}
